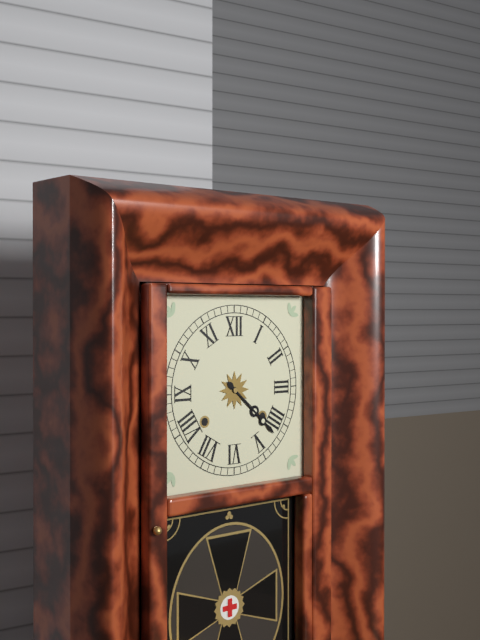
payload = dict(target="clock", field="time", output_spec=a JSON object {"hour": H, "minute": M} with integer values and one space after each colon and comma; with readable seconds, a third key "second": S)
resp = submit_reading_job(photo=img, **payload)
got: {"hour": 4, "minute": 22}
